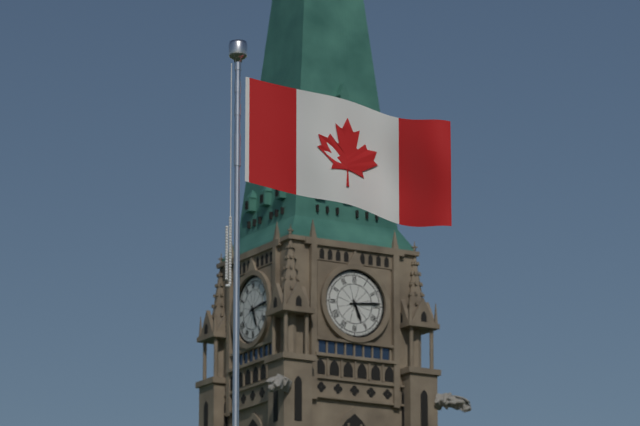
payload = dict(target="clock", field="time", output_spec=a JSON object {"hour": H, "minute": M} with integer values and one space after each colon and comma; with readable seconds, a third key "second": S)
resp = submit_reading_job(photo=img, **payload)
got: {"hour": 5, "minute": 14}
